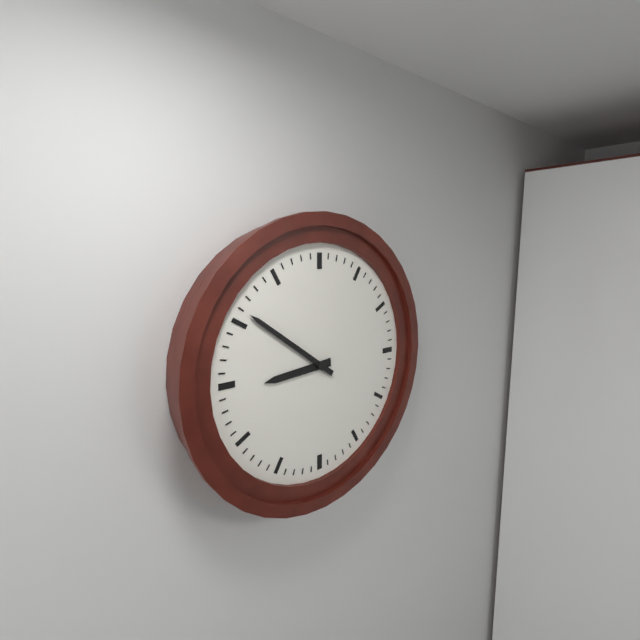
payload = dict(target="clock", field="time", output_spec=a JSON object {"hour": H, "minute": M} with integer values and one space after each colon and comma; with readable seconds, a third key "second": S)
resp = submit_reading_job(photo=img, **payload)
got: {"hour": 8, "minute": 51}
